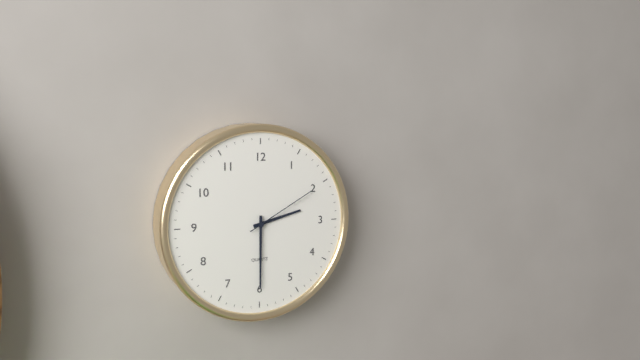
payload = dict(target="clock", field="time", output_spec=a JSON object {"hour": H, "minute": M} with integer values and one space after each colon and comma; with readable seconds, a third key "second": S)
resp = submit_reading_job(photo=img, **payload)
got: {"hour": 2, "minute": 30, "second": 10}
